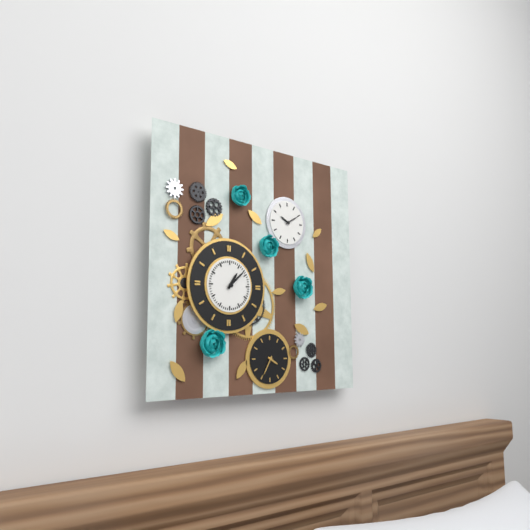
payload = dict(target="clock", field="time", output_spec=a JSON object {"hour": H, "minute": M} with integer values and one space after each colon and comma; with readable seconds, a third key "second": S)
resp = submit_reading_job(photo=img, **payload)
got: {"hour": 1, "minute": 8}
